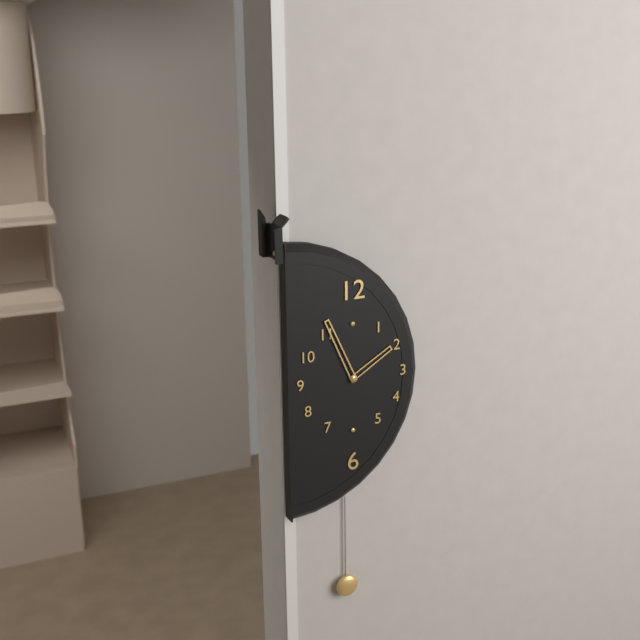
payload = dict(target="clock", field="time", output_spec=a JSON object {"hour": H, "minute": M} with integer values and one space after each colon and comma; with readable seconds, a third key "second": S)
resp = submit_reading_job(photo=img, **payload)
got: {"hour": 1, "minute": 56}
